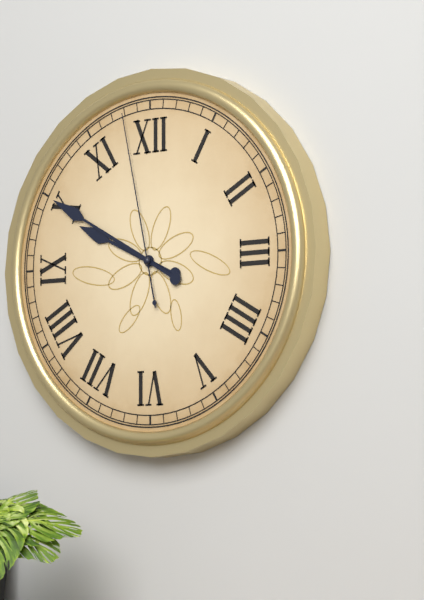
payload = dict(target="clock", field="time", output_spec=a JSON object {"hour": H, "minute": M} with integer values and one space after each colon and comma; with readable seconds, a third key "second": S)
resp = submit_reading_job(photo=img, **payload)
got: {"hour": 9, "minute": 50, "second": 58}
